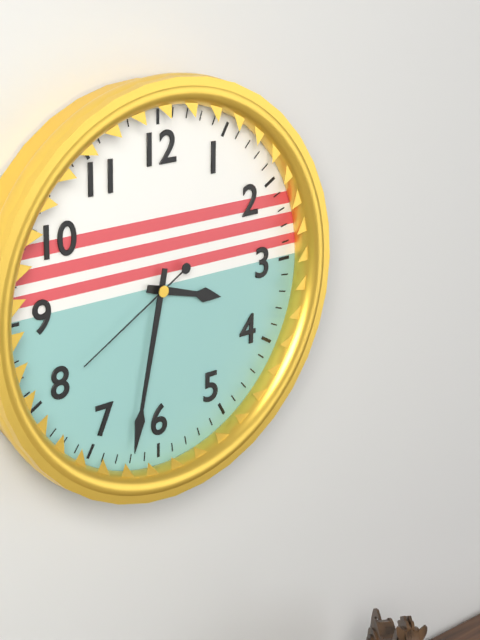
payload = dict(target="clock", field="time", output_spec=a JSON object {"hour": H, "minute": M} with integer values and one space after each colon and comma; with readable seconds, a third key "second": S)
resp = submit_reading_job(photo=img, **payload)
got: {"hour": 3, "minute": 32, "second": 40}
